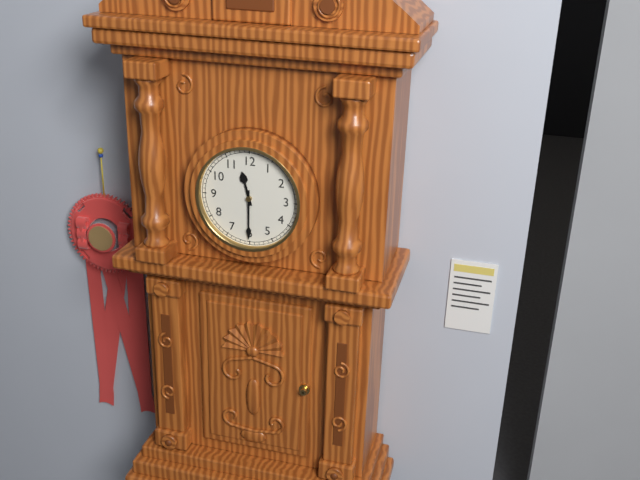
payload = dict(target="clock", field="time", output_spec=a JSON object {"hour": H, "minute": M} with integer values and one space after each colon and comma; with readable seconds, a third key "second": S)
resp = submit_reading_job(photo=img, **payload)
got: {"hour": 11, "minute": 30}
